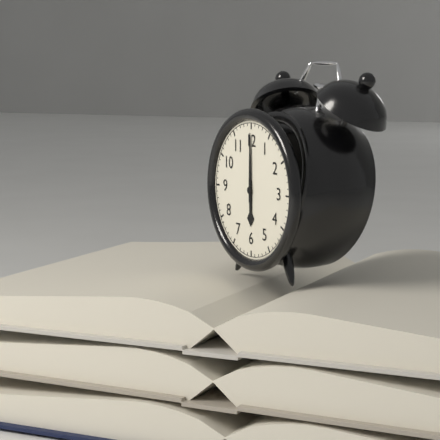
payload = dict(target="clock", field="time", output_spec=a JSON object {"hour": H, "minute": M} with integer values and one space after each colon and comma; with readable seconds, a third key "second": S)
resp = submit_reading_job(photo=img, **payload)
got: {"hour": 6, "minute": 0}
